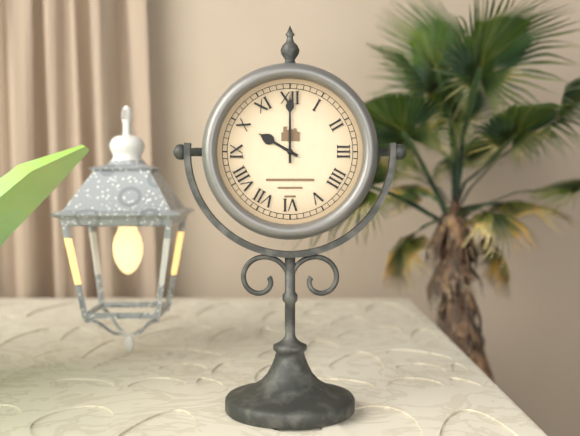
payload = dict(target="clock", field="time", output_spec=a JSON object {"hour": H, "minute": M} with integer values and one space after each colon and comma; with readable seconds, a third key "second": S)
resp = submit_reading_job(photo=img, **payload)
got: {"hour": 10, "minute": 0}
